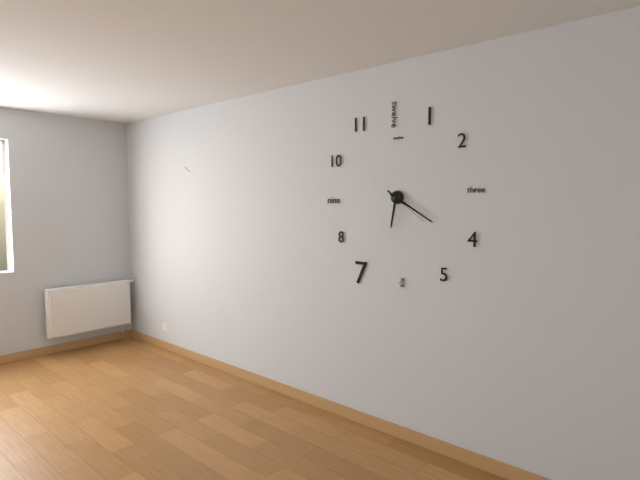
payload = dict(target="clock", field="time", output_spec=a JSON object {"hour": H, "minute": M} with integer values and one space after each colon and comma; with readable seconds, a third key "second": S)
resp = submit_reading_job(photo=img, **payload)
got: {"hour": 6, "minute": 20}
